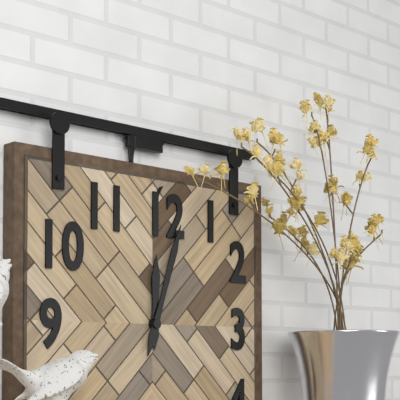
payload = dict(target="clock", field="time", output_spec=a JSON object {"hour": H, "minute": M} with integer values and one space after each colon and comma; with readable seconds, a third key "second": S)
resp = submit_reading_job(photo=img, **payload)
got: {"hour": 12, "minute": 3}
